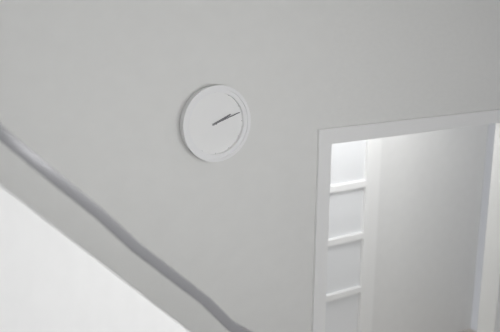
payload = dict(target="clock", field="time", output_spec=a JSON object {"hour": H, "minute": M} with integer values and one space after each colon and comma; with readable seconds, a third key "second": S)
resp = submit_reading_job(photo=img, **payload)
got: {"hour": 2, "minute": 12}
